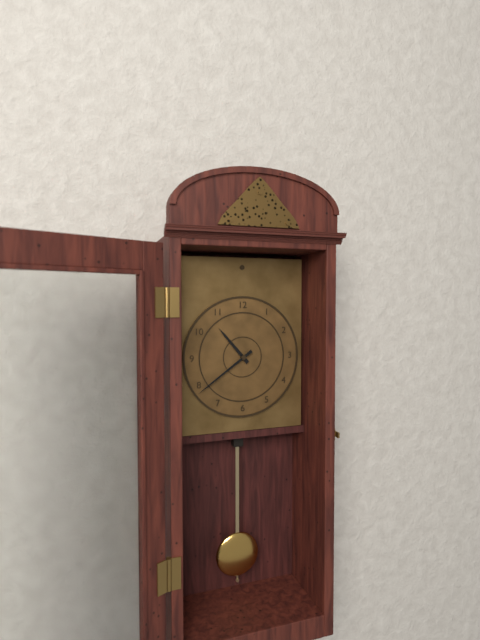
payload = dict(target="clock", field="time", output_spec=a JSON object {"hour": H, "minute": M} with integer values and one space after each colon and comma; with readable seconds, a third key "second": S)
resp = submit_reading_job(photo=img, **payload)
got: {"hour": 10, "minute": 39}
